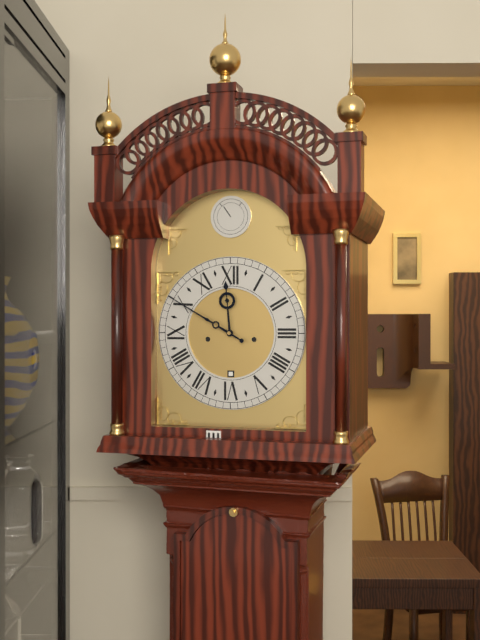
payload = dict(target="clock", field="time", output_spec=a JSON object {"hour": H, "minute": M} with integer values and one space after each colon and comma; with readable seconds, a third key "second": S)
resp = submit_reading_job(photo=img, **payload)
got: {"hour": 11, "minute": 50}
